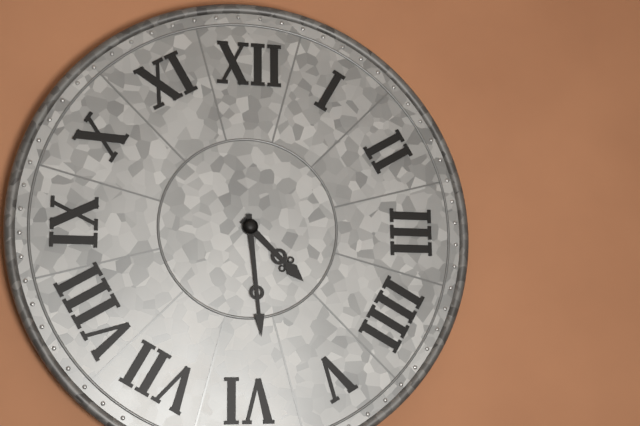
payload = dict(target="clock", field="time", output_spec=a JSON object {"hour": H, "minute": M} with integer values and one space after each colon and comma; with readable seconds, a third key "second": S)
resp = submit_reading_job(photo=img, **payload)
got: {"hour": 4, "minute": 29}
